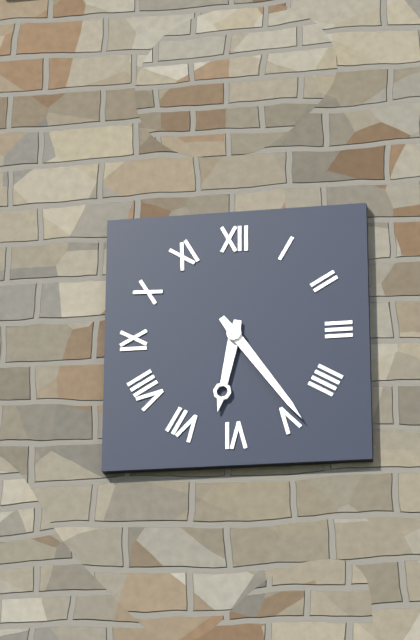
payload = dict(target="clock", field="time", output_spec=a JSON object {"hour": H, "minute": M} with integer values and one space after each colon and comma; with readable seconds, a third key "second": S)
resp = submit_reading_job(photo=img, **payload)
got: {"hour": 6, "minute": 24}
